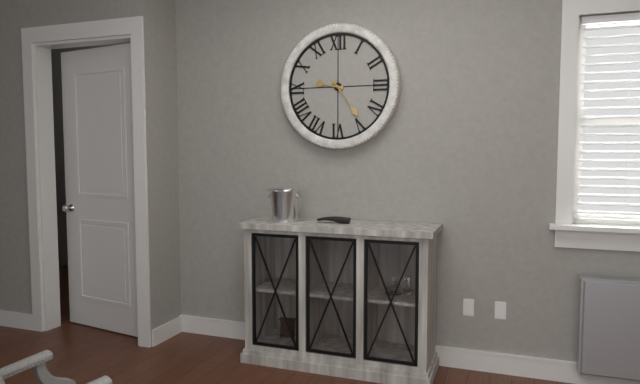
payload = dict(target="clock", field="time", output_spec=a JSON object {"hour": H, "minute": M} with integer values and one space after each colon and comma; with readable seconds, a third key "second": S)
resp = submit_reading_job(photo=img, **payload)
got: {"hour": 9, "minute": 24}
